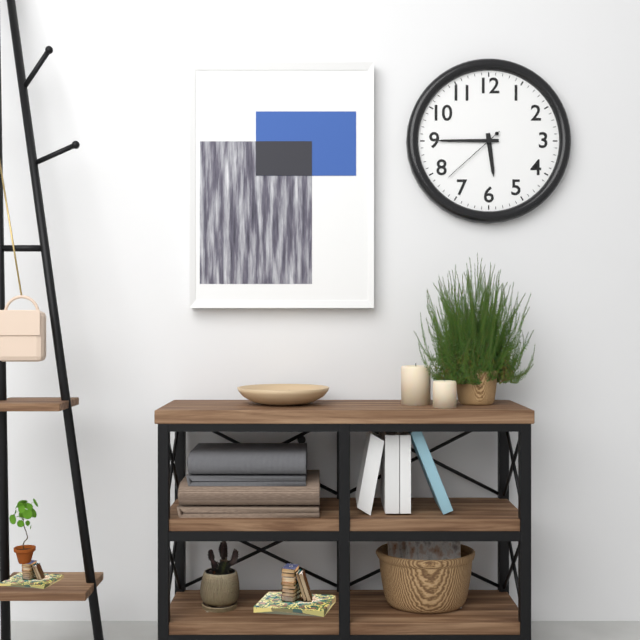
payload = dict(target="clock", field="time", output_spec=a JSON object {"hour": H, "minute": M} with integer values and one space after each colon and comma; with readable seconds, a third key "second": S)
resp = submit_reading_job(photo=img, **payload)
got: {"hour": 5, "minute": 45, "second": 38}
